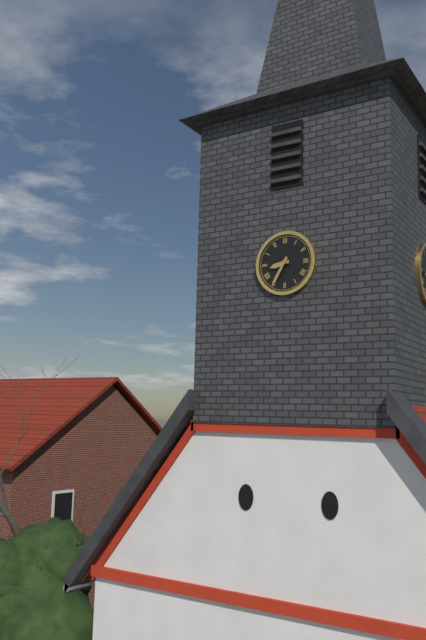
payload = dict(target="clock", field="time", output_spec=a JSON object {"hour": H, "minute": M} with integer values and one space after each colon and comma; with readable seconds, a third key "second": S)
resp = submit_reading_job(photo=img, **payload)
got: {"hour": 8, "minute": 35}
